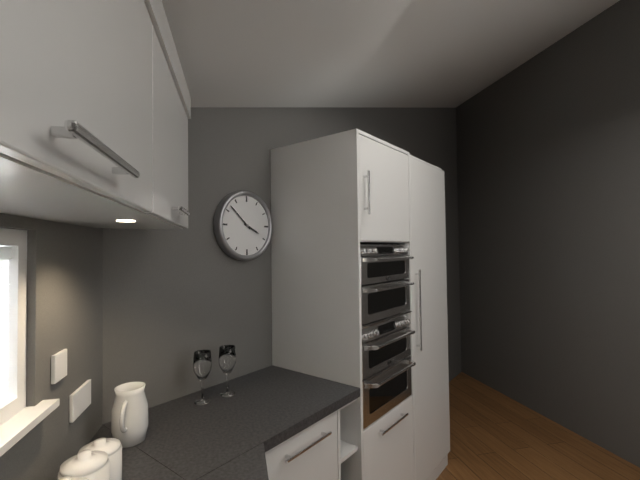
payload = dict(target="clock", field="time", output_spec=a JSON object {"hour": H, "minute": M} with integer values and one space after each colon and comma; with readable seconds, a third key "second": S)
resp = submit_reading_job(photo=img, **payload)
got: {"hour": 3, "minute": 52}
